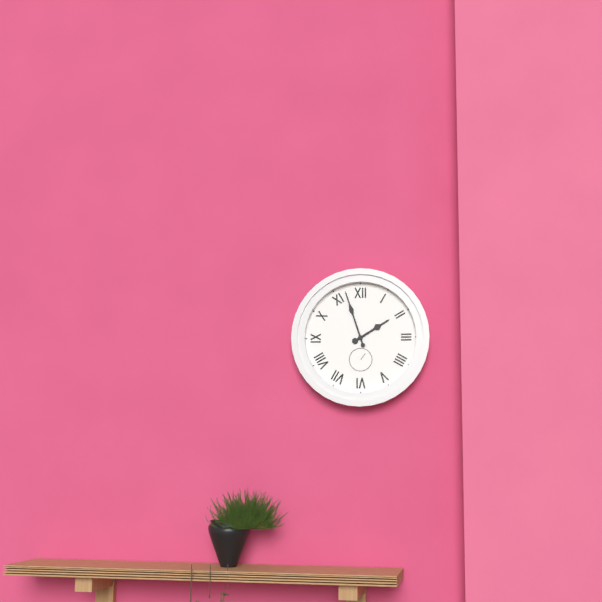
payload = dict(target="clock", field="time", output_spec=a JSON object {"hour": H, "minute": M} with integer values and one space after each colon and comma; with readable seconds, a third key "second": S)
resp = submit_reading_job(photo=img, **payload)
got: {"hour": 1, "minute": 57}
